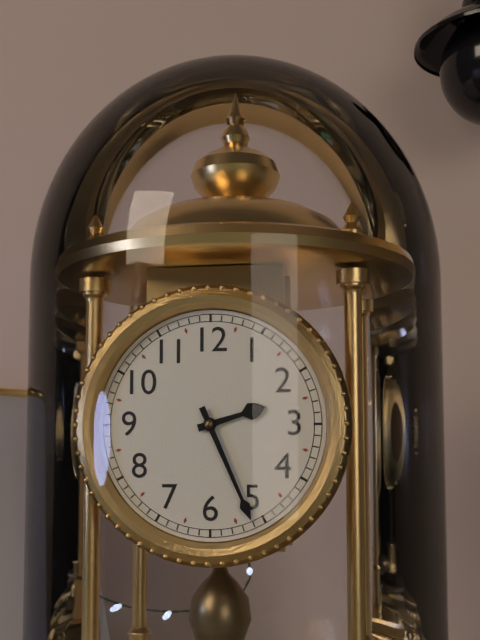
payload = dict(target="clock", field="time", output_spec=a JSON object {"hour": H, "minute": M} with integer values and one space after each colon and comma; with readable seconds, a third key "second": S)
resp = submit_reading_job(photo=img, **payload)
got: {"hour": 2, "minute": 26}
